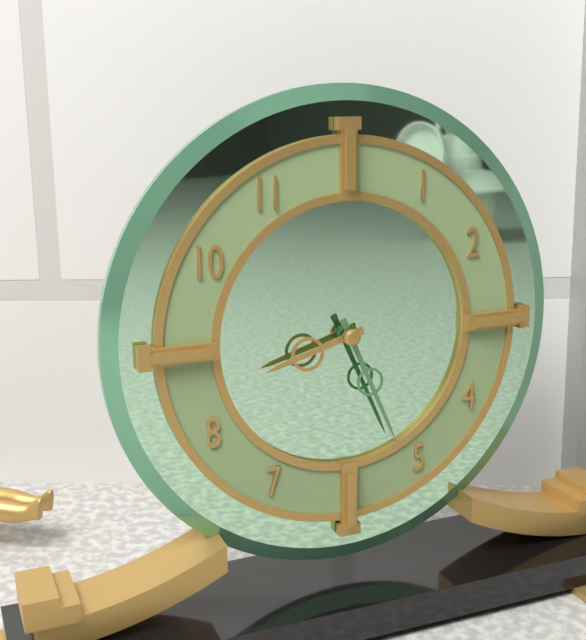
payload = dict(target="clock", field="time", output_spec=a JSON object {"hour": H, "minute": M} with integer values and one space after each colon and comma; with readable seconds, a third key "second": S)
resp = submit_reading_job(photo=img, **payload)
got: {"hour": 8, "minute": 26}
